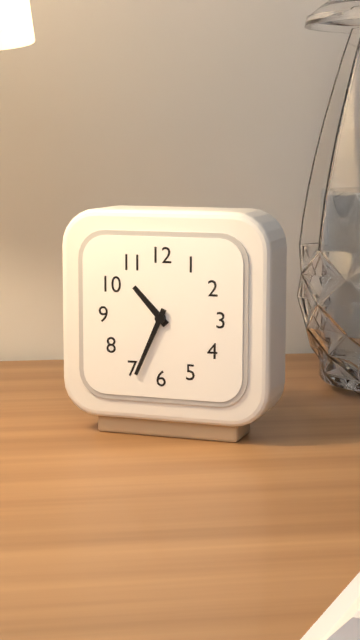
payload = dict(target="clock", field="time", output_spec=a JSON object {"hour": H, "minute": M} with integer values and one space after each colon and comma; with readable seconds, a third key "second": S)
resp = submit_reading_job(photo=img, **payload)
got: {"hour": 10, "minute": 34}
